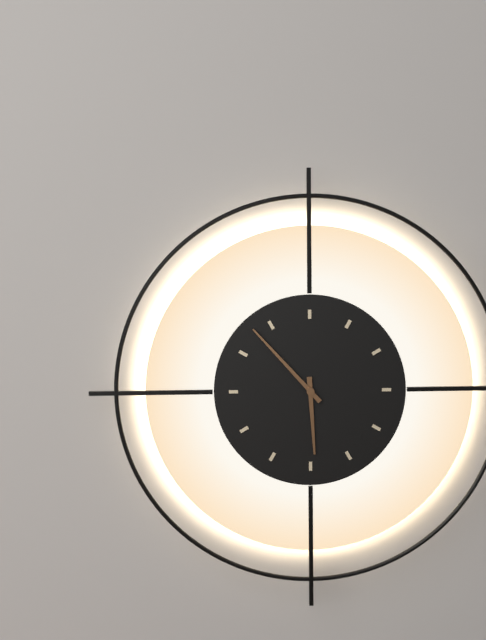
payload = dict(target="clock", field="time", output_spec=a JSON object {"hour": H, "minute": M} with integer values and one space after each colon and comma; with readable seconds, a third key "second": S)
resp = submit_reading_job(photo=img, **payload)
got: {"hour": 5, "minute": 53}
